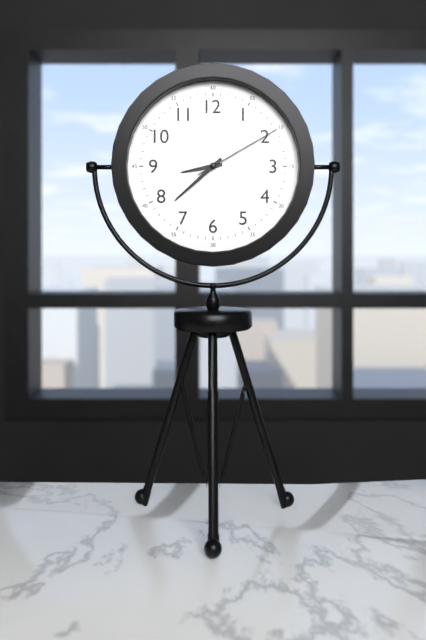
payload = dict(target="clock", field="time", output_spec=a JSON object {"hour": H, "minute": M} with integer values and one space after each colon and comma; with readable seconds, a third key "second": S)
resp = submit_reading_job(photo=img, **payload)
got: {"hour": 8, "minute": 38, "second": 10}
